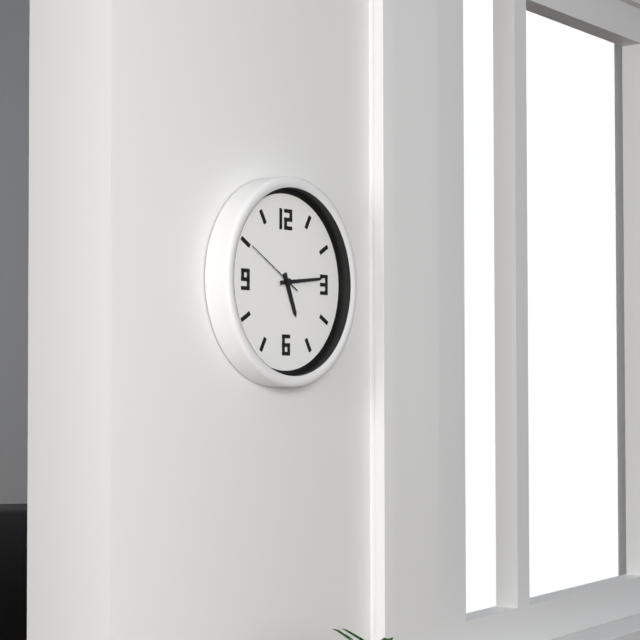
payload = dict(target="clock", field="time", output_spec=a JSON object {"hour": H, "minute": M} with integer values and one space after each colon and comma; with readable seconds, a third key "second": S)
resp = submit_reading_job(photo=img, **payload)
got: {"hour": 5, "minute": 14, "second": 50}
